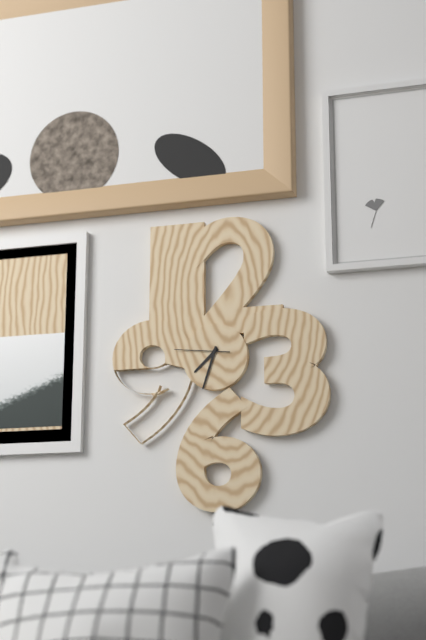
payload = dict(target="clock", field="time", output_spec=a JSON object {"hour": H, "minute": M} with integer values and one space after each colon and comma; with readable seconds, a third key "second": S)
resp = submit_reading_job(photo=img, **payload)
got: {"hour": 7, "minute": 33, "second": 46}
